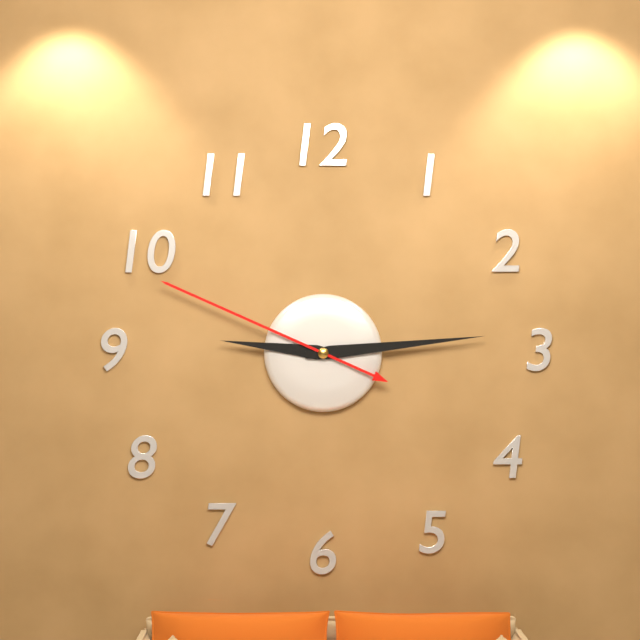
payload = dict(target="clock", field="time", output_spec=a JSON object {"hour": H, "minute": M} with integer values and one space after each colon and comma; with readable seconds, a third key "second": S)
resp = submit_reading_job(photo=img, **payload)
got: {"hour": 9, "minute": 14, "second": 49}
